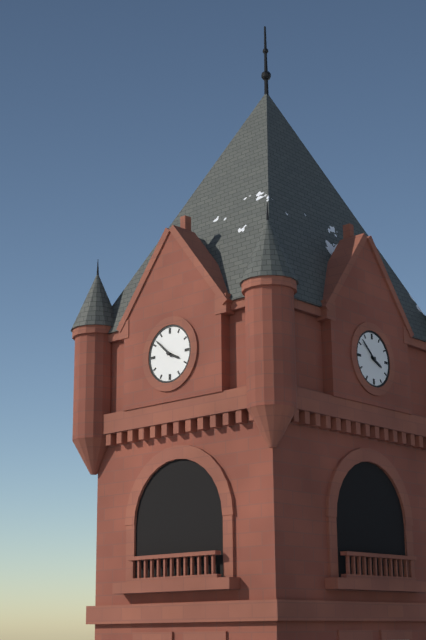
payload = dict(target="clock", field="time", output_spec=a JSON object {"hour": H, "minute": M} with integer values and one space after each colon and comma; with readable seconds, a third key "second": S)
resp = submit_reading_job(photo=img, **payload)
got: {"hour": 3, "minute": 52}
